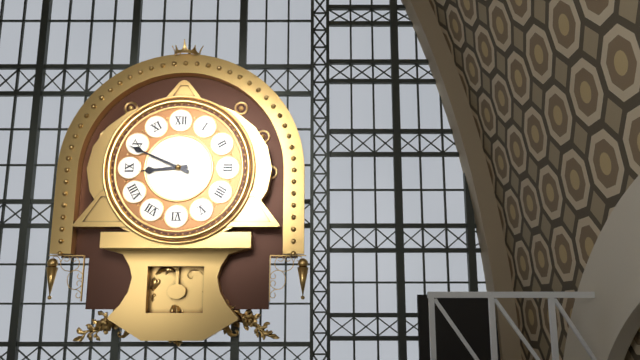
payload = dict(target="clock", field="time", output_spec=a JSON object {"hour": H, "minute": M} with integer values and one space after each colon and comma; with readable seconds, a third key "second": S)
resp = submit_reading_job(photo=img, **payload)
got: {"hour": 8, "minute": 49}
